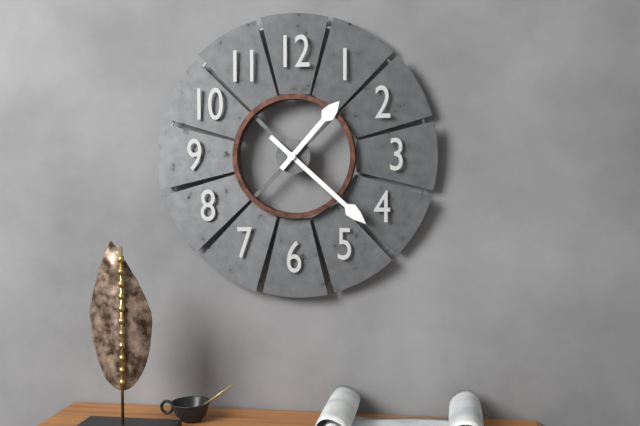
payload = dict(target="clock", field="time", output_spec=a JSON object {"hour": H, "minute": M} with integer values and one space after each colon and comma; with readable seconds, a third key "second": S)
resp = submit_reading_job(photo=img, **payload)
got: {"hour": 1, "minute": 22}
